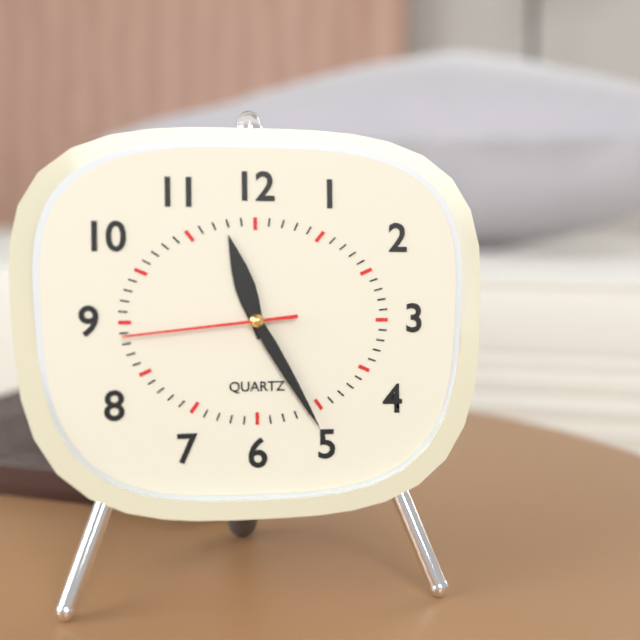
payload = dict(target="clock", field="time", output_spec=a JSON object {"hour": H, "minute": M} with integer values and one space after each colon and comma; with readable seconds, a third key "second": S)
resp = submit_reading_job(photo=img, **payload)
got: {"hour": 11, "minute": 25, "second": 44}
